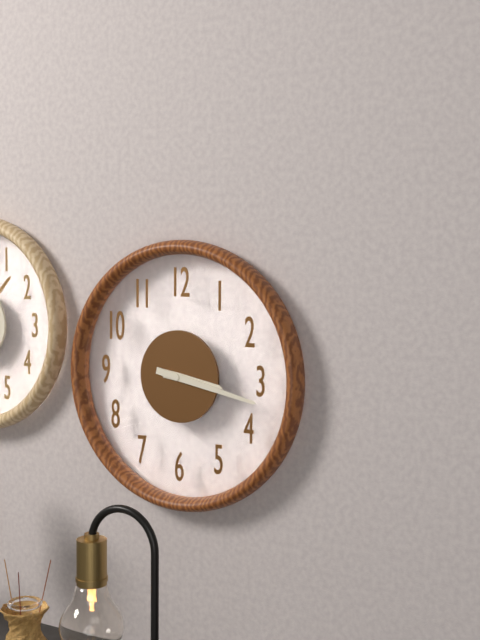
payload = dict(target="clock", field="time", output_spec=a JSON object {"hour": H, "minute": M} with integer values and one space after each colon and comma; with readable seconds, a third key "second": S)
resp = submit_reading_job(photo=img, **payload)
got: {"hour": 3, "minute": 17}
